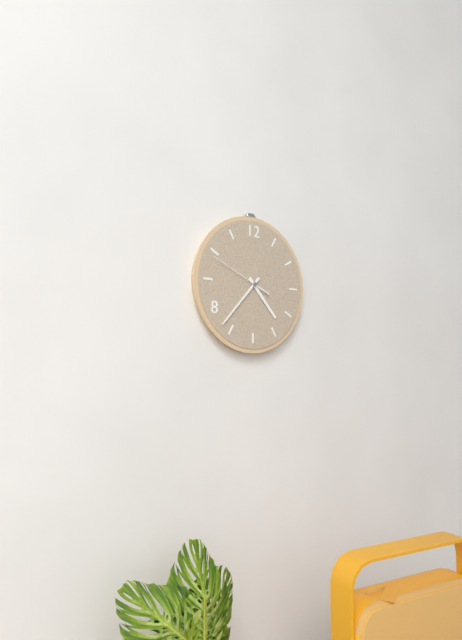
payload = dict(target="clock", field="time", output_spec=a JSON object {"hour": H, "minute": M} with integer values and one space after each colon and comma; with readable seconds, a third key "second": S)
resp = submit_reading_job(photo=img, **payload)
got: {"hour": 4, "minute": 37, "second": 49}
